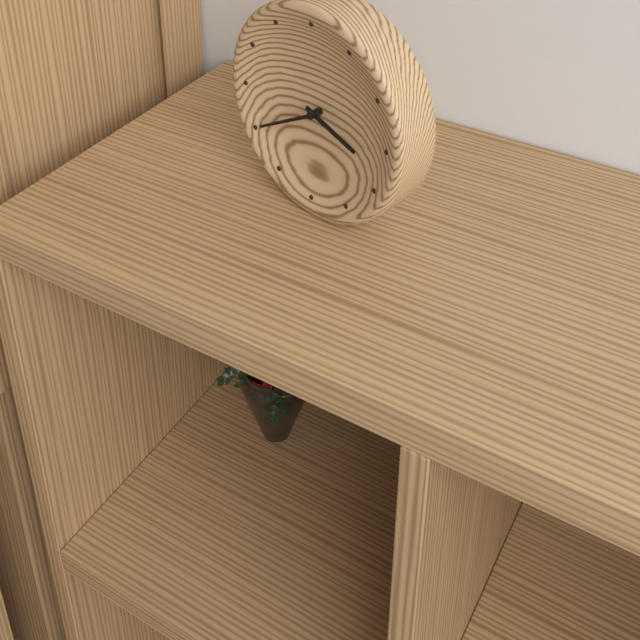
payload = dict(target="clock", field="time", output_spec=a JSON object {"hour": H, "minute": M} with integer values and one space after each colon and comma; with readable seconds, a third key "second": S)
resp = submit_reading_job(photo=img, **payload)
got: {"hour": 3, "minute": 40}
